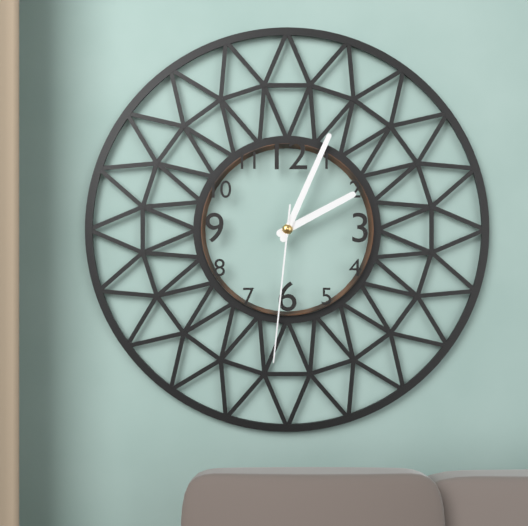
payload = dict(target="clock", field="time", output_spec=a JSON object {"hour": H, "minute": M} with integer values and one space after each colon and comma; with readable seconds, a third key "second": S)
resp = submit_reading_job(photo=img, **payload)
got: {"hour": 2, "minute": 4, "second": 31}
